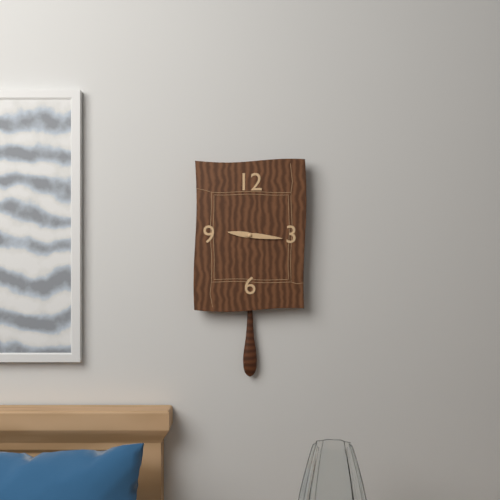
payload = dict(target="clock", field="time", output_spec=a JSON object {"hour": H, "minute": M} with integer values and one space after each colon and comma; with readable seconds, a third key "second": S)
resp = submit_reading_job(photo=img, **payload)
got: {"hour": 9, "minute": 16}
